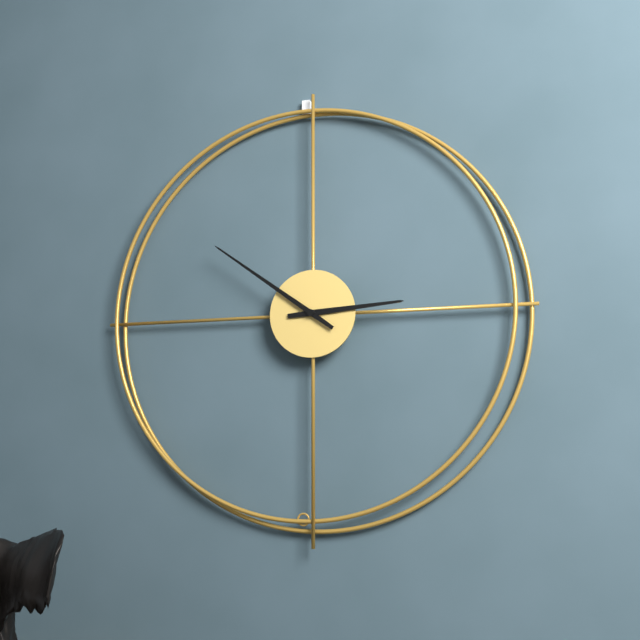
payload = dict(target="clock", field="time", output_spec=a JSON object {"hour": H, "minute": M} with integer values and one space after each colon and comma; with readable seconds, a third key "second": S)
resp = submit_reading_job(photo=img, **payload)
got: {"hour": 2, "minute": 51}
